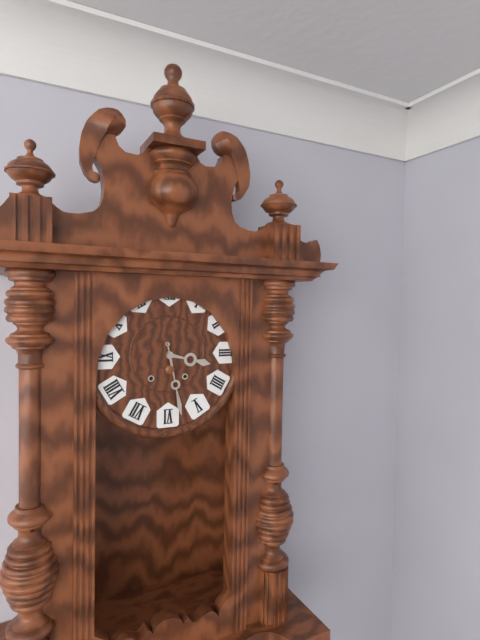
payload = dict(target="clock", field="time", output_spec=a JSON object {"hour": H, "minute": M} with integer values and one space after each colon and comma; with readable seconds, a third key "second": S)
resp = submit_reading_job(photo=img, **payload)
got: {"hour": 3, "minute": 28}
